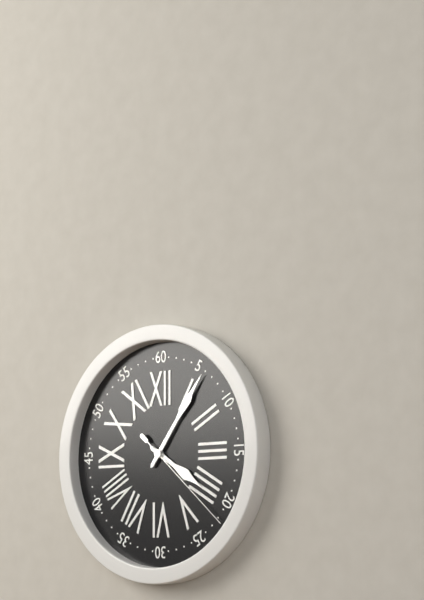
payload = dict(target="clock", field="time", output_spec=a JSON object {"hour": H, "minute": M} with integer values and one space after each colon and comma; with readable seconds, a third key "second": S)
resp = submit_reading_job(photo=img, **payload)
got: {"hour": 4, "minute": 6, "second": 22}
